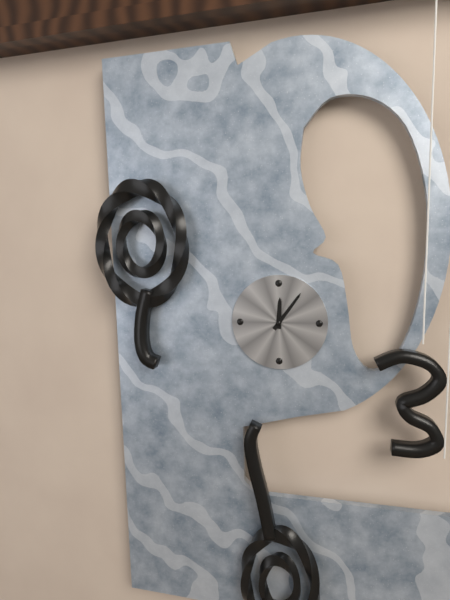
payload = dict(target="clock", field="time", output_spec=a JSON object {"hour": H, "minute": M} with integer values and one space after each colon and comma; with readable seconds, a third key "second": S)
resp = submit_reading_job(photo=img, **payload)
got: {"hour": 12, "minute": 6}
